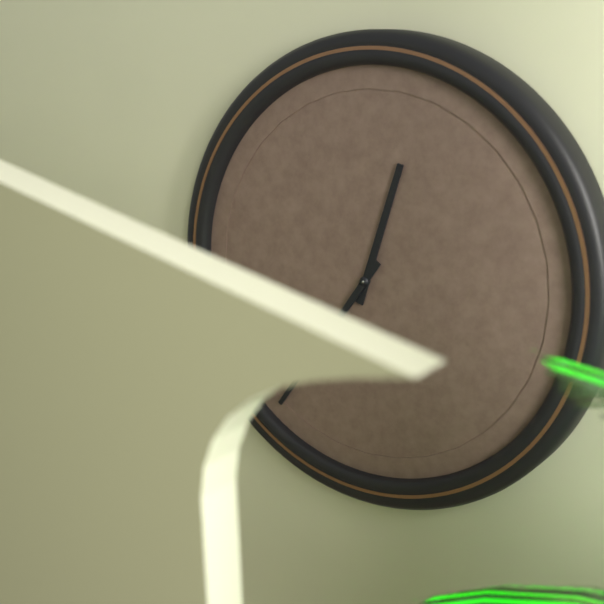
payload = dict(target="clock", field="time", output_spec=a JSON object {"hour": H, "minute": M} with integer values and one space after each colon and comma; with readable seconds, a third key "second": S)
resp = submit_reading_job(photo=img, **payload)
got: {"hour": 12, "minute": 36}
